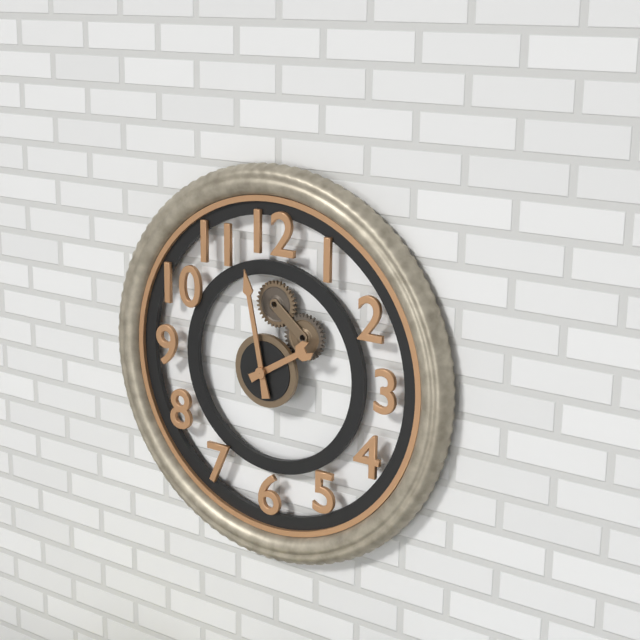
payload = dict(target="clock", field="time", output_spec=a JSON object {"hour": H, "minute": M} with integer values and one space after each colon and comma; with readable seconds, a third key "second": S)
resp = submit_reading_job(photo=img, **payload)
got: {"hour": 1, "minute": 58}
